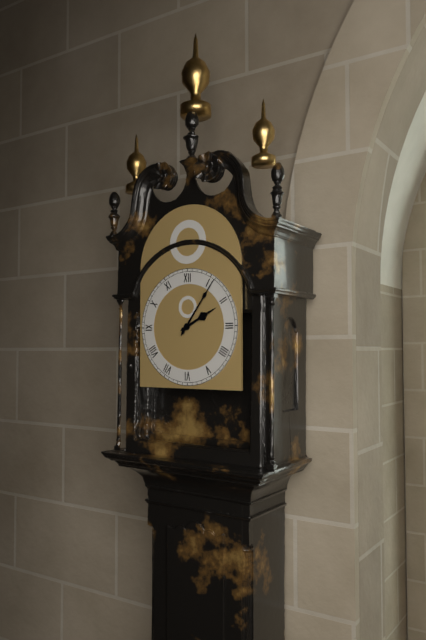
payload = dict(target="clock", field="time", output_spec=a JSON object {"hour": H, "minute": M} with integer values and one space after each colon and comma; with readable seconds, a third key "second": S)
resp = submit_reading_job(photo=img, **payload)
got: {"hour": 2, "minute": 6}
